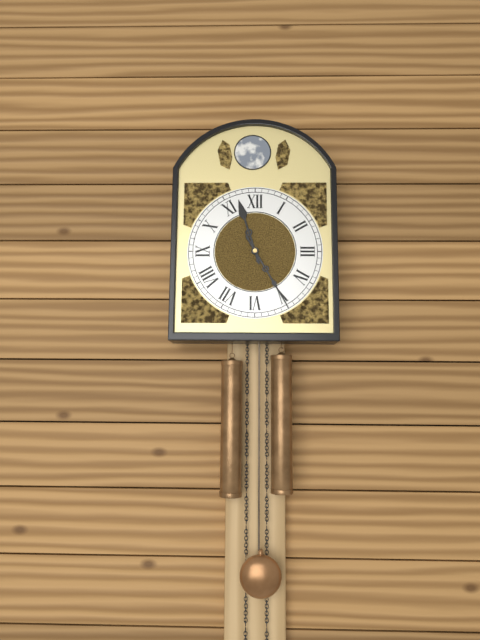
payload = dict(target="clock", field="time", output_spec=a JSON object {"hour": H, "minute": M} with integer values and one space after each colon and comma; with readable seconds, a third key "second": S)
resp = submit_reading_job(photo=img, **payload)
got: {"hour": 11, "minute": 25}
